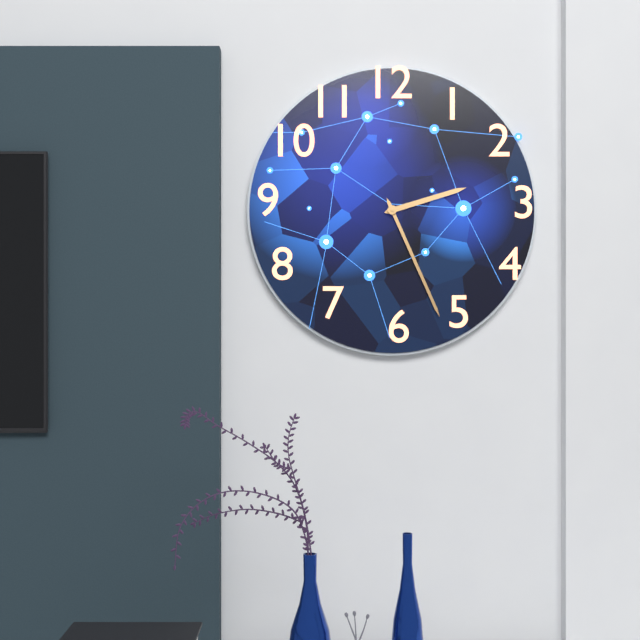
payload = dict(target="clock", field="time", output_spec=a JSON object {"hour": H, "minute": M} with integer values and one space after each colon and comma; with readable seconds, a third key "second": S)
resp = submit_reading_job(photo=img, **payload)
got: {"hour": 2, "minute": 26}
